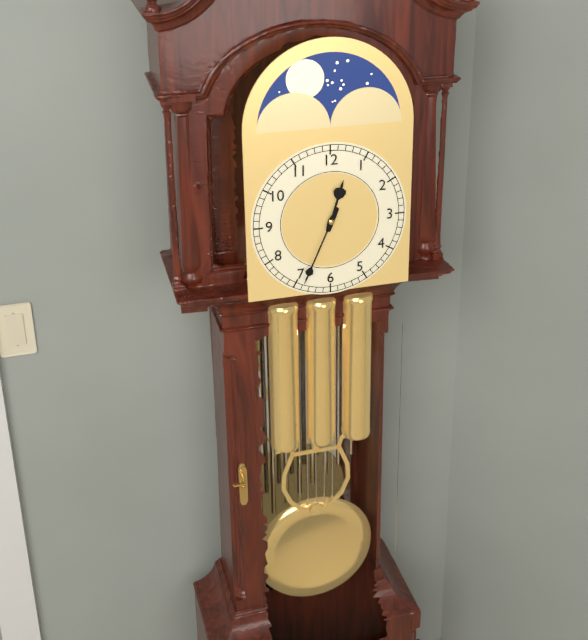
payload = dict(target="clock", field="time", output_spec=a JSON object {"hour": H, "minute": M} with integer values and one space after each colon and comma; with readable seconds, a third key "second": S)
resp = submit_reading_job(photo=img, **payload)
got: {"hour": 12, "minute": 34}
